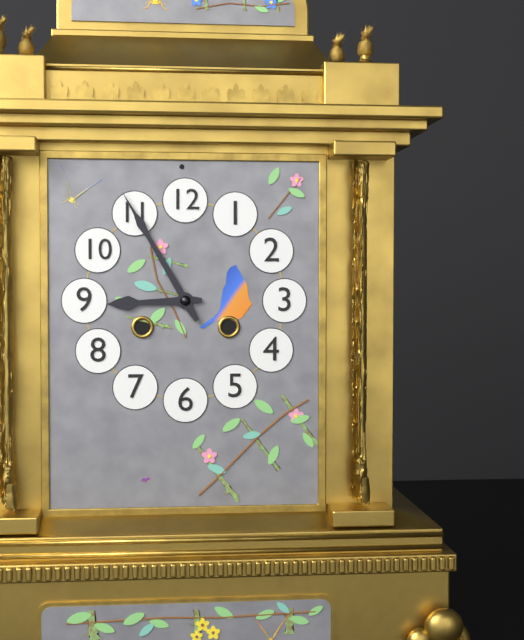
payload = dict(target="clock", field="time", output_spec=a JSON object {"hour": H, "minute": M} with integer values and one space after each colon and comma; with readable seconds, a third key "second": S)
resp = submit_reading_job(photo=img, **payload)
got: {"hour": 8, "minute": 55}
